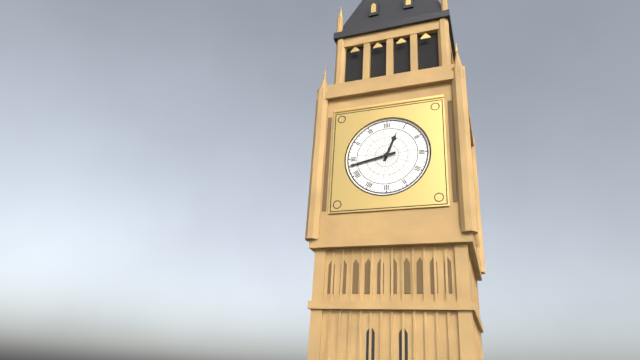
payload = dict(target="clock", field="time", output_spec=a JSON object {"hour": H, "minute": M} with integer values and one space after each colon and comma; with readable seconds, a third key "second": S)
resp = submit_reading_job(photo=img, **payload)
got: {"hour": 12, "minute": 43}
